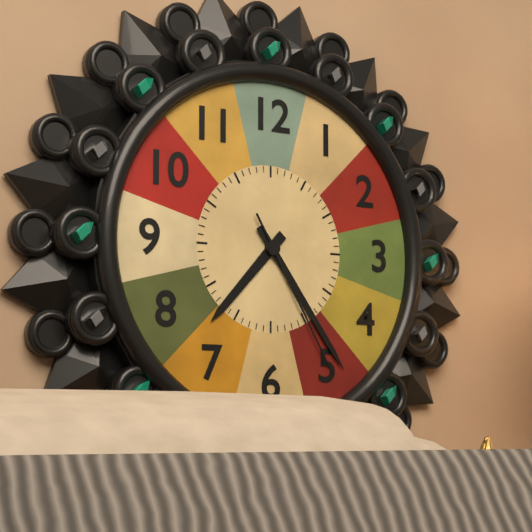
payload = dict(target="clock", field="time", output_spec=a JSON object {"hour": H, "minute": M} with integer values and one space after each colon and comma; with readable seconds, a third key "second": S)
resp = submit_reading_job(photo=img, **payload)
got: {"hour": 7, "minute": 24, "second": 25}
